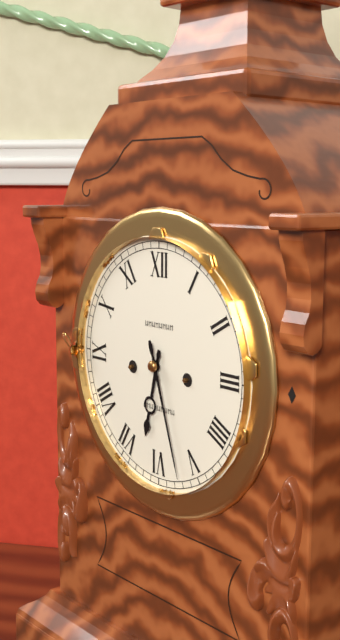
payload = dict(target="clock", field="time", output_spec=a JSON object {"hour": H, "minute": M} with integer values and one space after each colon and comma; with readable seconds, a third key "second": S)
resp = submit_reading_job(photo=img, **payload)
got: {"hour": 6, "minute": 27}
